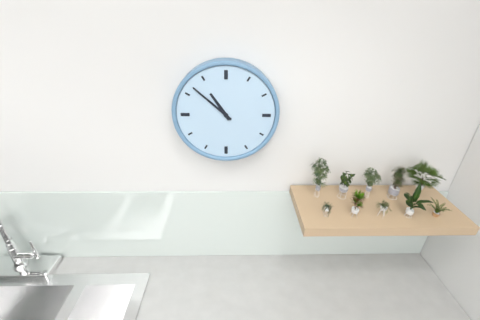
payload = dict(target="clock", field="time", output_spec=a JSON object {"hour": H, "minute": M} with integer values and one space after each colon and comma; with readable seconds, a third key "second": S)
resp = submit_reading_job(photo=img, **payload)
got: {"hour": 10, "minute": 52}
